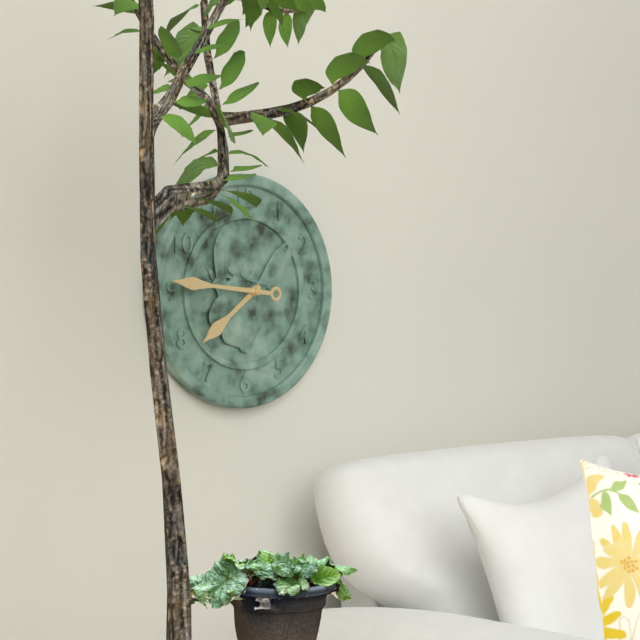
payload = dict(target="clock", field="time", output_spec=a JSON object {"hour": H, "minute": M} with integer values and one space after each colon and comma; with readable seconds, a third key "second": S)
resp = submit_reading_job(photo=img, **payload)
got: {"hour": 7, "minute": 46}
